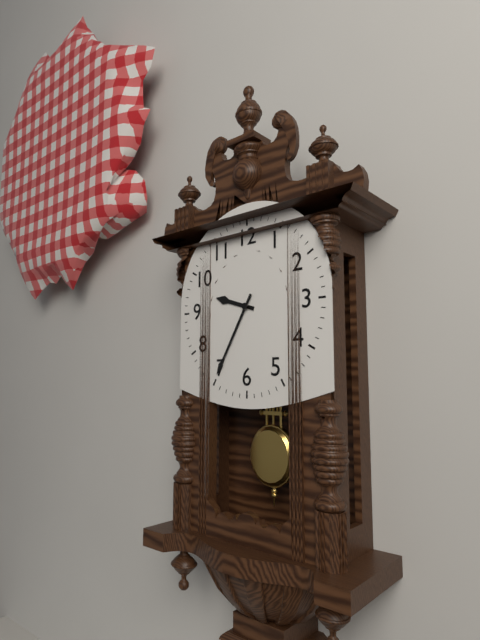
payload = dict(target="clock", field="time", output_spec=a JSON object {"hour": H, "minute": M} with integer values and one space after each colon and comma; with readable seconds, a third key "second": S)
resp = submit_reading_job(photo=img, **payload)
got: {"hour": 9, "minute": 35}
